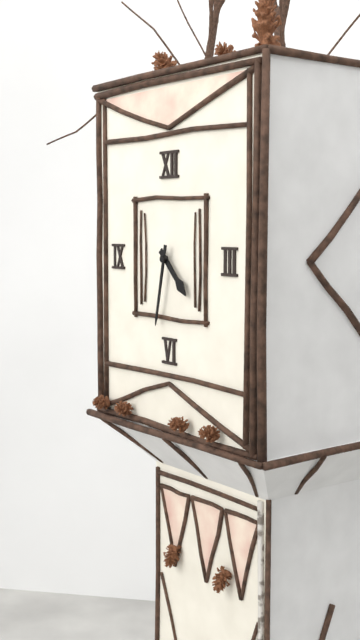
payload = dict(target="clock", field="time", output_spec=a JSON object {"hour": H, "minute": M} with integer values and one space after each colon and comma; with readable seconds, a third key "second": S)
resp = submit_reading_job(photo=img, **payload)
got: {"hour": 4, "minute": 32}
